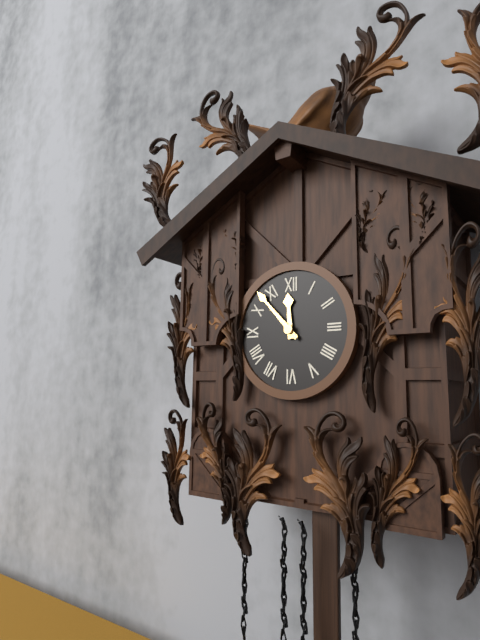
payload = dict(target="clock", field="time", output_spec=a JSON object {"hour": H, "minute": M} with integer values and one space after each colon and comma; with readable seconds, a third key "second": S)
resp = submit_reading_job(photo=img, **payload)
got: {"hour": 11, "minute": 53}
